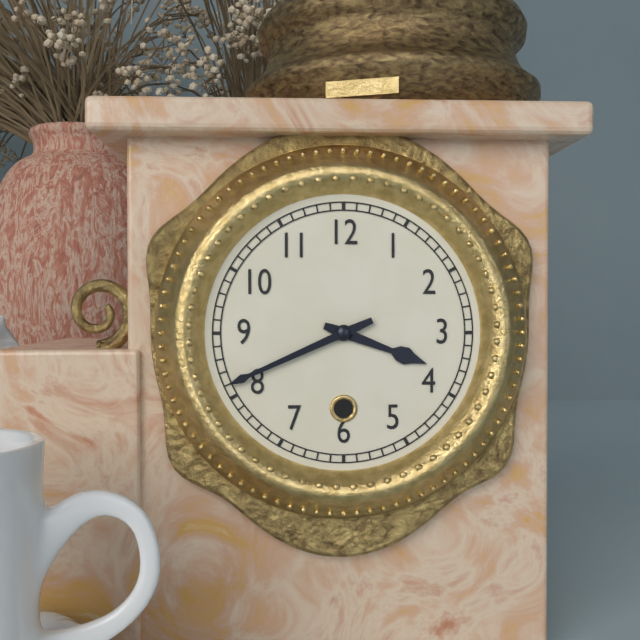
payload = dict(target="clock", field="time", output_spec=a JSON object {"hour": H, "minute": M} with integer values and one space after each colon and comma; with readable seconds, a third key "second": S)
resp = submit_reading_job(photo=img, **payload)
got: {"hour": 3, "minute": 41}
